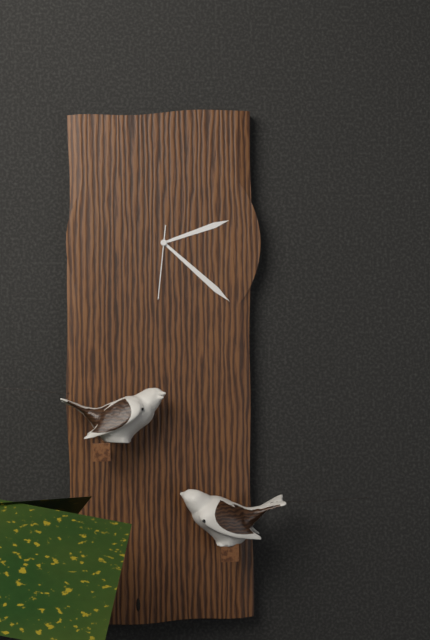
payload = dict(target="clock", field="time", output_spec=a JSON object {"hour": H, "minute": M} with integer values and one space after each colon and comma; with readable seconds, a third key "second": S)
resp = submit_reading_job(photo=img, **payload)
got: {"hour": 2, "minute": 22, "second": 31}
